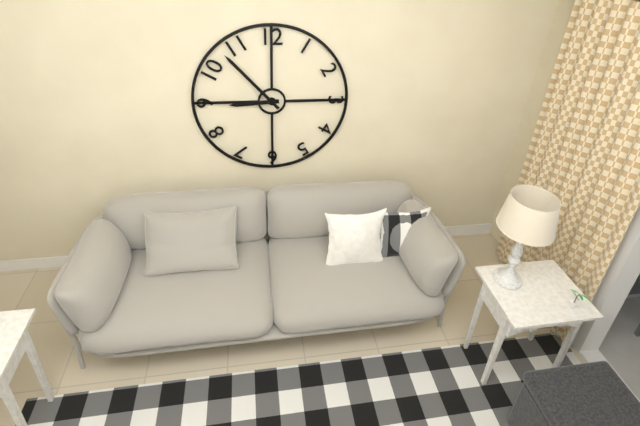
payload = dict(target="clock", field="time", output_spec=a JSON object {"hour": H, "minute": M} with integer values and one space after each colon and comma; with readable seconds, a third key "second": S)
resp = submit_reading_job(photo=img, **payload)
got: {"hour": 8, "minute": 53}
